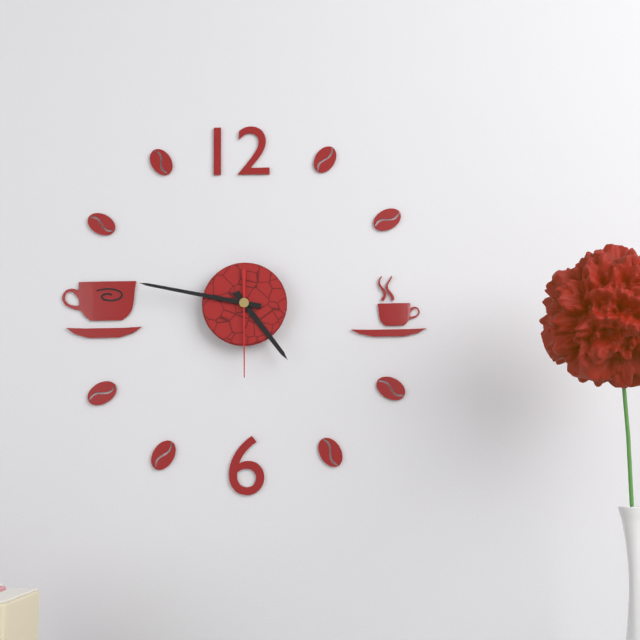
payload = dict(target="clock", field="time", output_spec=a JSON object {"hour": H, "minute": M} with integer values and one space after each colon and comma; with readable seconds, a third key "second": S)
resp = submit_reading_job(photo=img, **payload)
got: {"hour": 4, "minute": 47, "second": 30}
